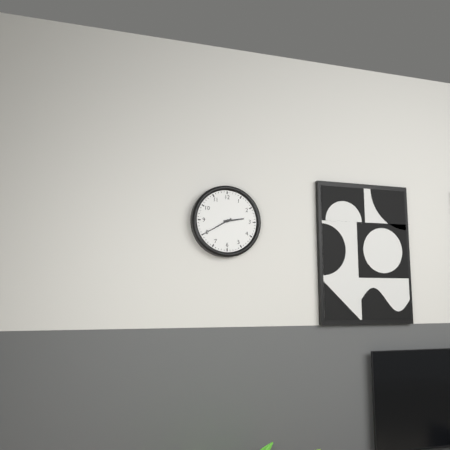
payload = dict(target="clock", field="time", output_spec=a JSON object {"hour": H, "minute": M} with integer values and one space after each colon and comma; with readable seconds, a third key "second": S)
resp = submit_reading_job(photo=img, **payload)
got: {"hour": 2, "minute": 40}
